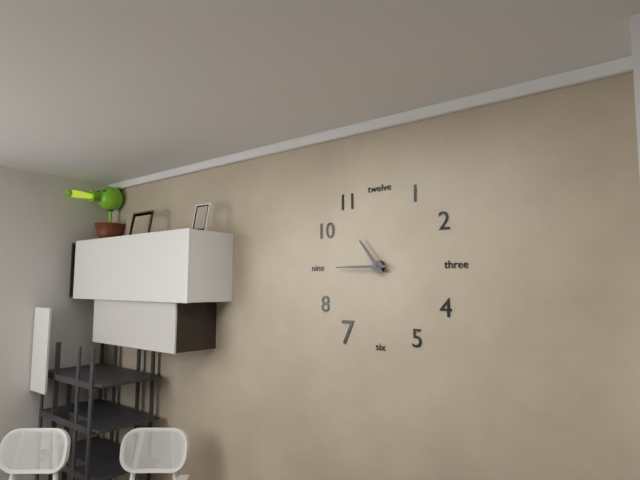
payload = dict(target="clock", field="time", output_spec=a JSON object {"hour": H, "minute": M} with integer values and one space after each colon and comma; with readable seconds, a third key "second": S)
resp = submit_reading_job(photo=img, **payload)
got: {"hour": 10, "minute": 45}
